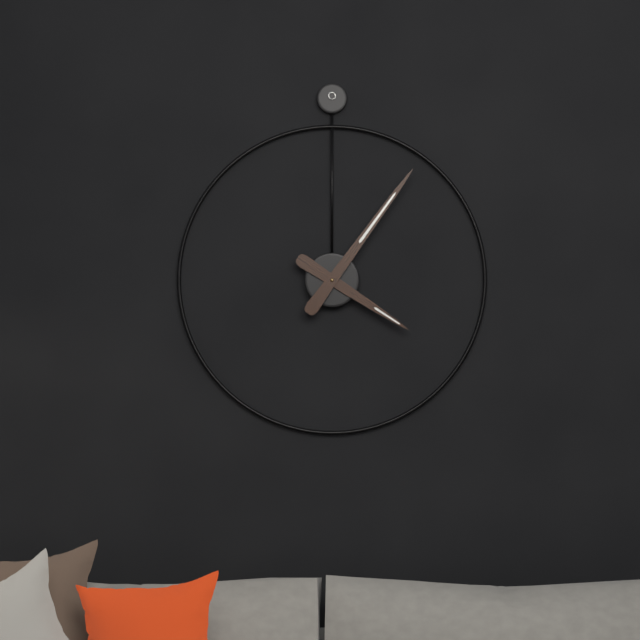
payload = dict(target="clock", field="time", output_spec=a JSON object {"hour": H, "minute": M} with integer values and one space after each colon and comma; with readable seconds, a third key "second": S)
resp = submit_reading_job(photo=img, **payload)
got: {"hour": 4, "minute": 6}
